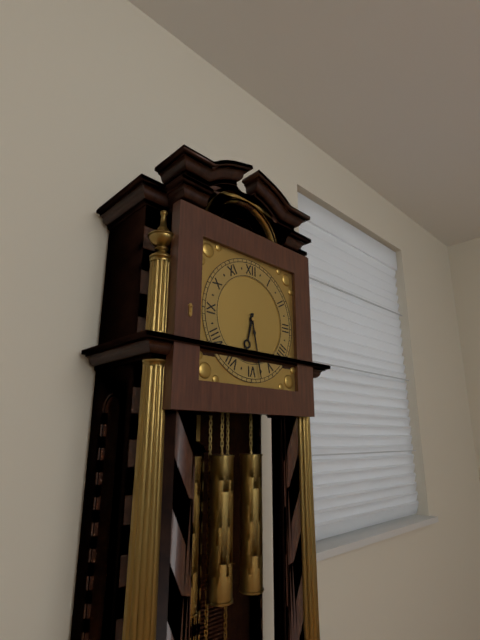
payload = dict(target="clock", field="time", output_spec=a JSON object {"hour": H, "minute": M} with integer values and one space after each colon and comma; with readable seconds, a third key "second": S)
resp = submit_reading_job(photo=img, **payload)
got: {"hour": 6, "minute": 28}
